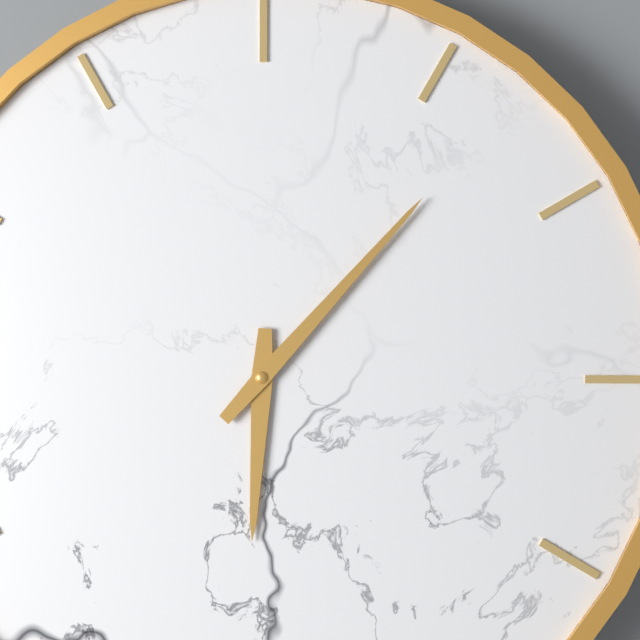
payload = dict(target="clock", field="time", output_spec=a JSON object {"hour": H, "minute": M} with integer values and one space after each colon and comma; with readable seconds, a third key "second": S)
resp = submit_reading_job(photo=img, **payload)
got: {"hour": 6, "minute": 7}
